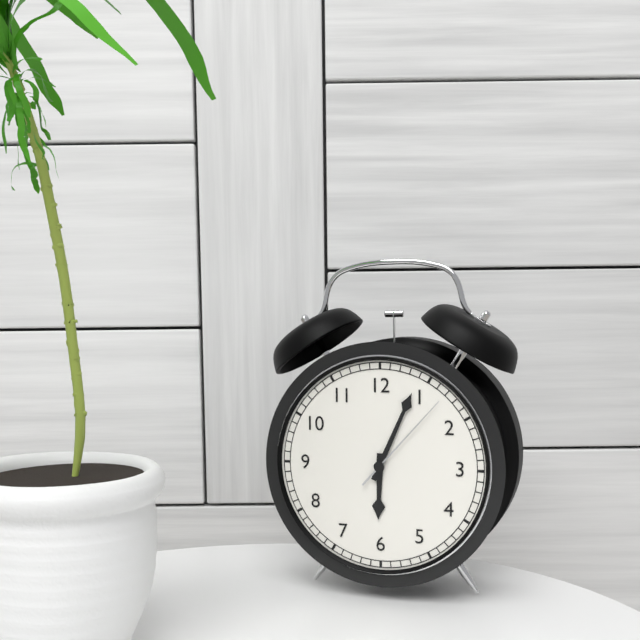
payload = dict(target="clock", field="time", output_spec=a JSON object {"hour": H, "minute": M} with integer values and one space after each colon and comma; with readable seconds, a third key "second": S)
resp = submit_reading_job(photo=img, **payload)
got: {"hour": 6, "minute": 4, "second": 7}
